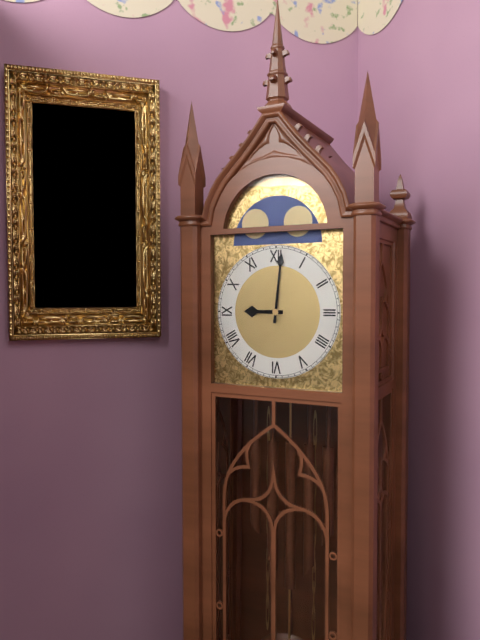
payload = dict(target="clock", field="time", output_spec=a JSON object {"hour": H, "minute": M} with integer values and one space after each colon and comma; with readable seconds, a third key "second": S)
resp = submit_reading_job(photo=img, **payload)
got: {"hour": 9, "minute": 1}
